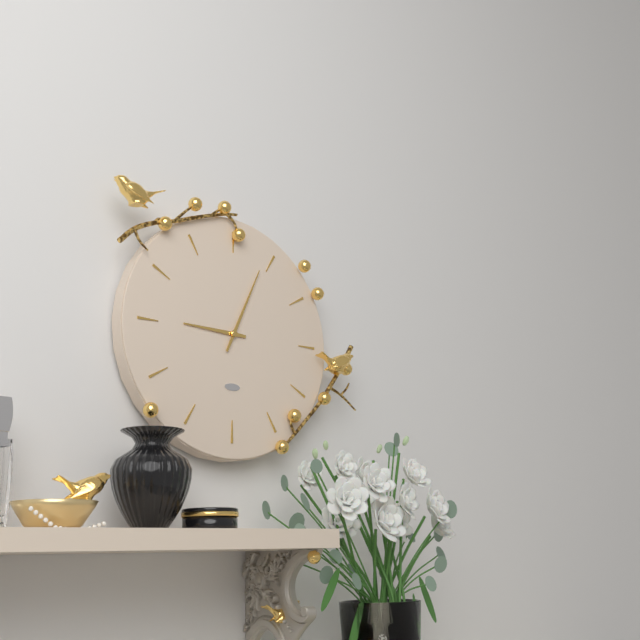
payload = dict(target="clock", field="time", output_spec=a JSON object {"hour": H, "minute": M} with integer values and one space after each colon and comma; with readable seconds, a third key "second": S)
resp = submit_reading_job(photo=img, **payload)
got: {"hour": 9, "minute": 4}
